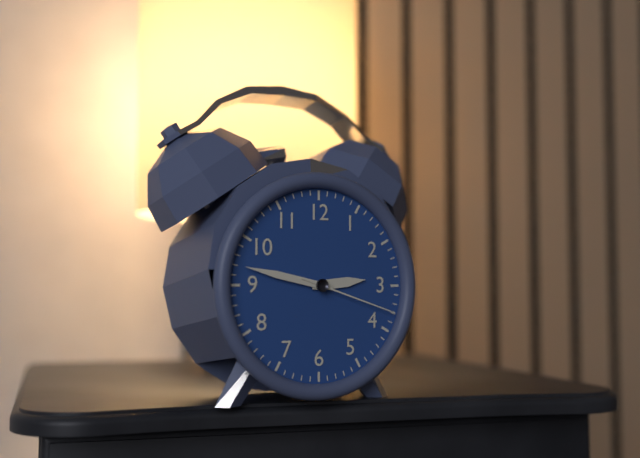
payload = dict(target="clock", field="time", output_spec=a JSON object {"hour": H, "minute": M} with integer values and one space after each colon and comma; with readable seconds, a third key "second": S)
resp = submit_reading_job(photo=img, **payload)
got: {"hour": 2, "minute": 47, "second": 18}
